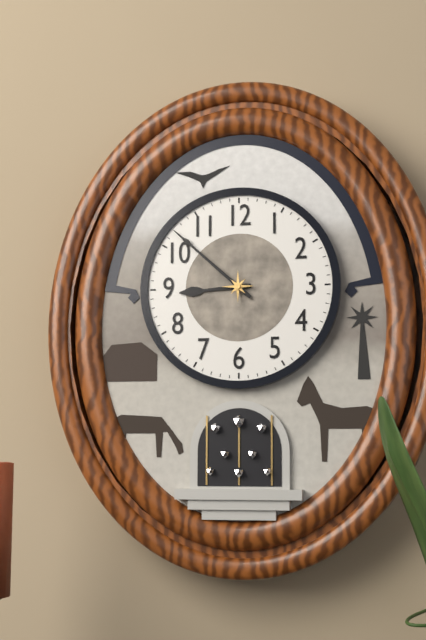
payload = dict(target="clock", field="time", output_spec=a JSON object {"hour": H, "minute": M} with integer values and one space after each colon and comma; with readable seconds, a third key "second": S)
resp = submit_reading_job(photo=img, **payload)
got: {"hour": 8, "minute": 52}
